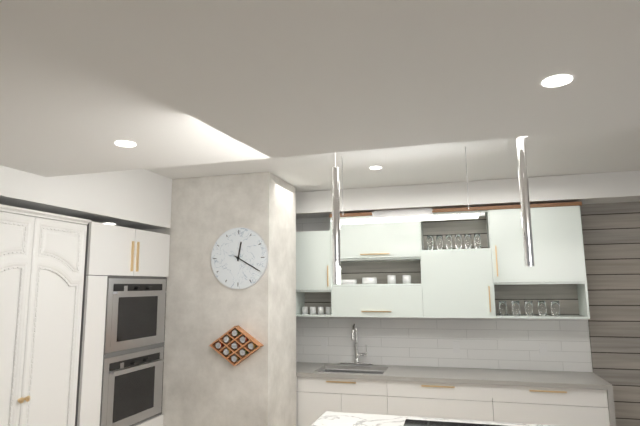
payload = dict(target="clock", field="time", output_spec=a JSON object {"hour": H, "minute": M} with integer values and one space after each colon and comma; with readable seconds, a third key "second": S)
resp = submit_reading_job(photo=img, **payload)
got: {"hour": 12, "minute": 20}
